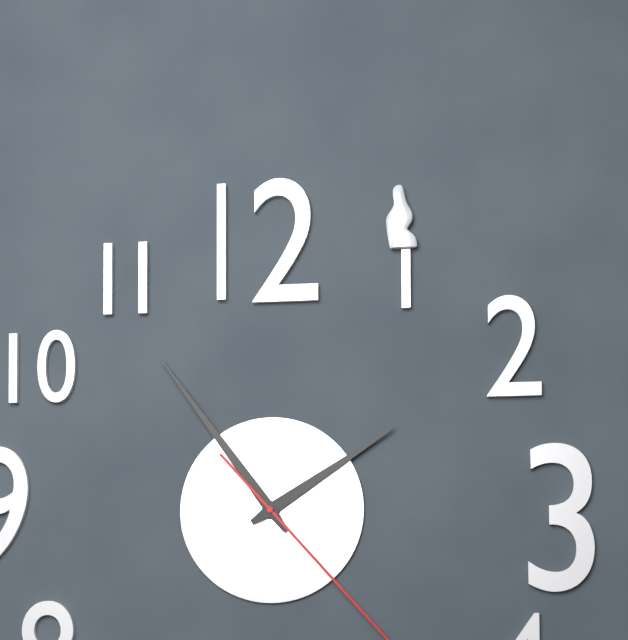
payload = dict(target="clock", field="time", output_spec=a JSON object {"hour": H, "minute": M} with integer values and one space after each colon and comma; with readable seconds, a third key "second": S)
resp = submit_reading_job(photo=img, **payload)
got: {"hour": 1, "minute": 54}
